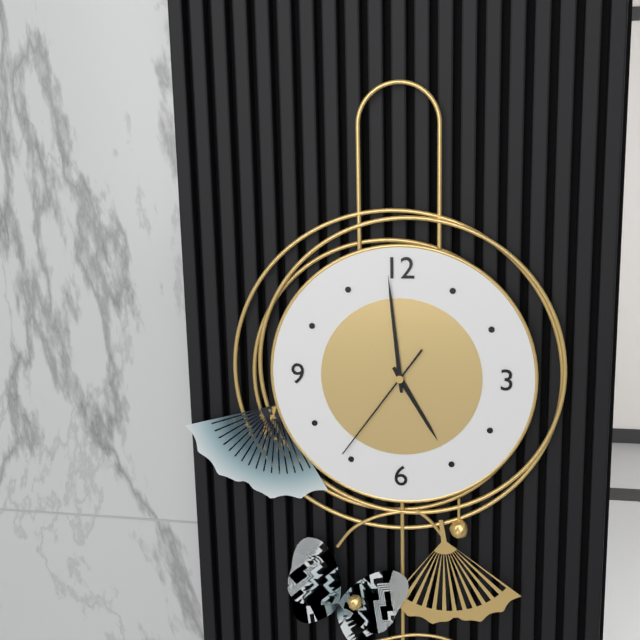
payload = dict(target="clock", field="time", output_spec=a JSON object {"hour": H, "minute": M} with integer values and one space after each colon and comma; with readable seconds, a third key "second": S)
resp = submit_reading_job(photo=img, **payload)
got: {"hour": 4, "minute": 59, "second": 36}
